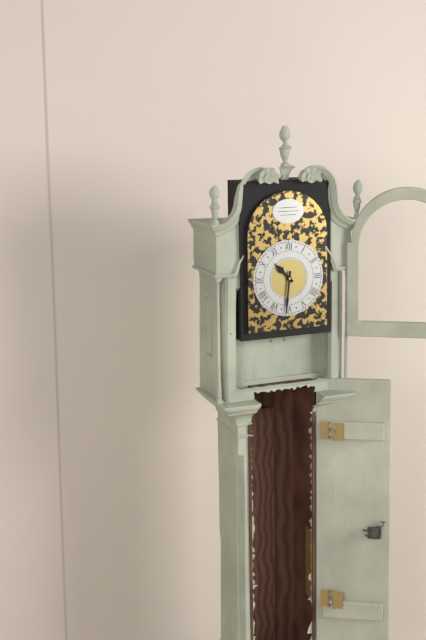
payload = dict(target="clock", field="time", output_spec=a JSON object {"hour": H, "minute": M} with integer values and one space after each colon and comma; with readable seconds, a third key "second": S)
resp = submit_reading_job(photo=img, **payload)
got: {"hour": 10, "minute": 31}
